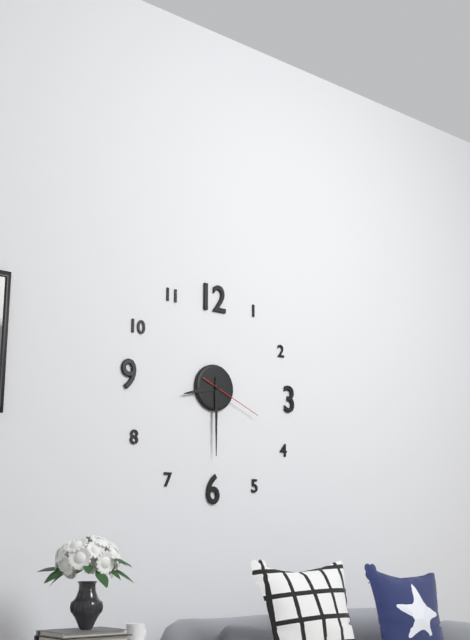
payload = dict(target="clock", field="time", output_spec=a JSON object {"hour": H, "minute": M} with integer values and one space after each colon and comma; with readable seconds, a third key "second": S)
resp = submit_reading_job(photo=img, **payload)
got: {"hour": 8, "minute": 30, "second": 19}
